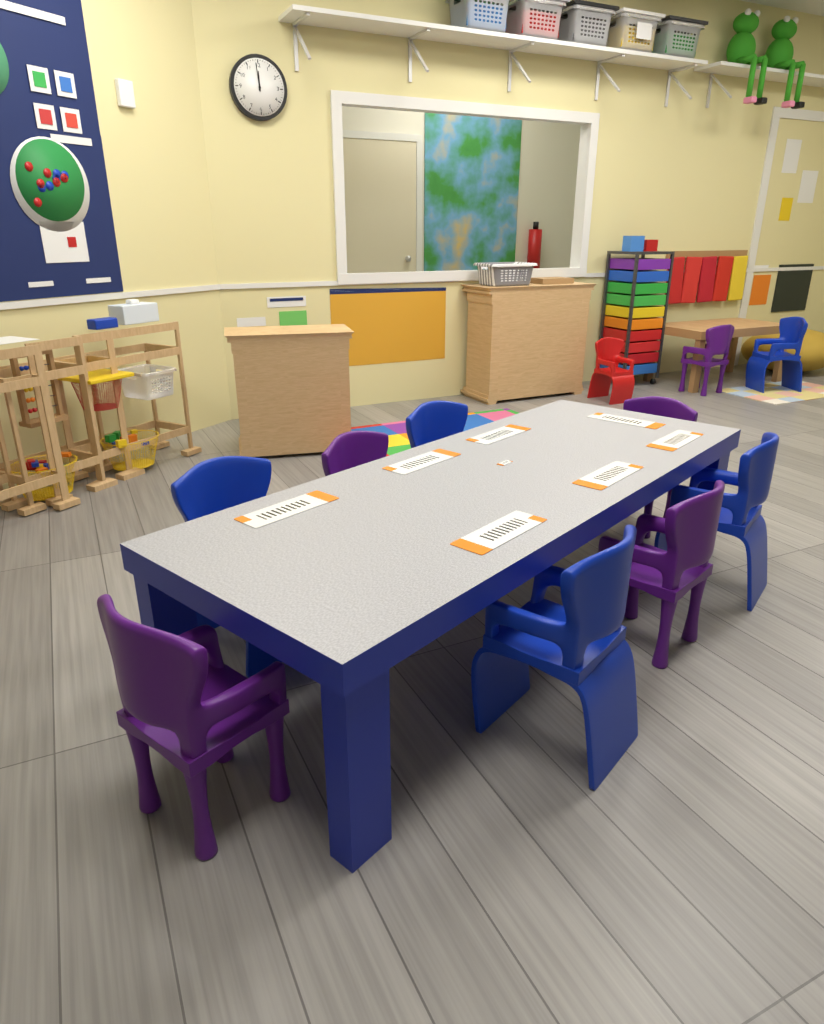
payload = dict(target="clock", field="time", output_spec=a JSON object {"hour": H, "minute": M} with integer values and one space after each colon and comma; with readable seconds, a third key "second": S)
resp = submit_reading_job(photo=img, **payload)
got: {"hour": 11, "minute": 59}
